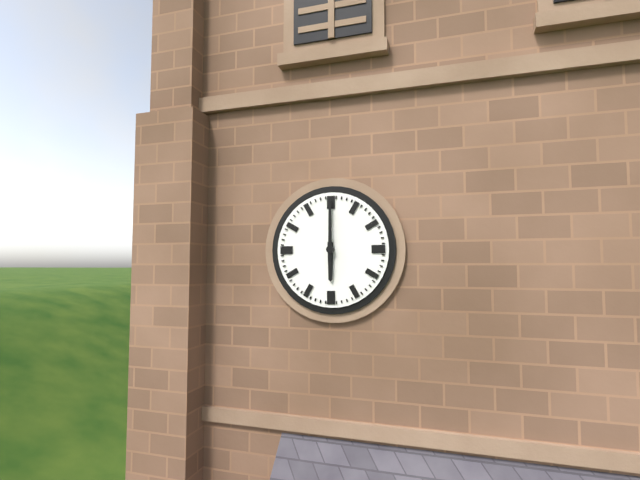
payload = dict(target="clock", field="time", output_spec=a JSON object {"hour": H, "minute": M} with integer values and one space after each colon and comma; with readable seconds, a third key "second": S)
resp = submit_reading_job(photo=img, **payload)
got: {"hour": 6, "minute": 0}
